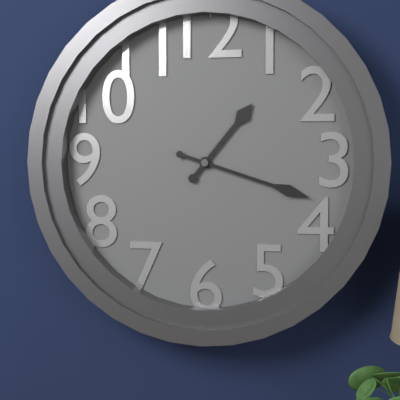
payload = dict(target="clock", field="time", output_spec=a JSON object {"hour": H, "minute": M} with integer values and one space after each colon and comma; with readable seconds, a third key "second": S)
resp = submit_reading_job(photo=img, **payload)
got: {"hour": 1, "minute": 18}
